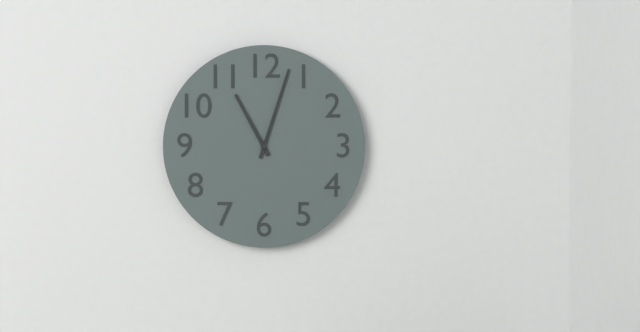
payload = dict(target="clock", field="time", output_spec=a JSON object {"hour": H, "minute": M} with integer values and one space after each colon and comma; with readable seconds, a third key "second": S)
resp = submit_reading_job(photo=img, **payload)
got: {"hour": 11, "minute": 3}
